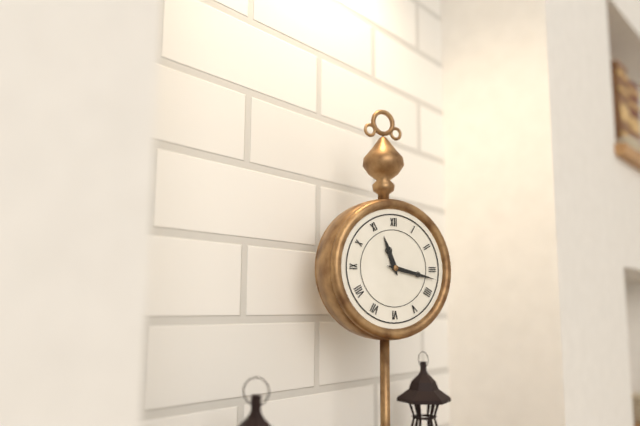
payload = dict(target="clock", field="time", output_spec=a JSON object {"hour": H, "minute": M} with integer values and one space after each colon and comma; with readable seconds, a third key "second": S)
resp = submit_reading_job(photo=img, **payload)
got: {"hour": 11, "minute": 17}
